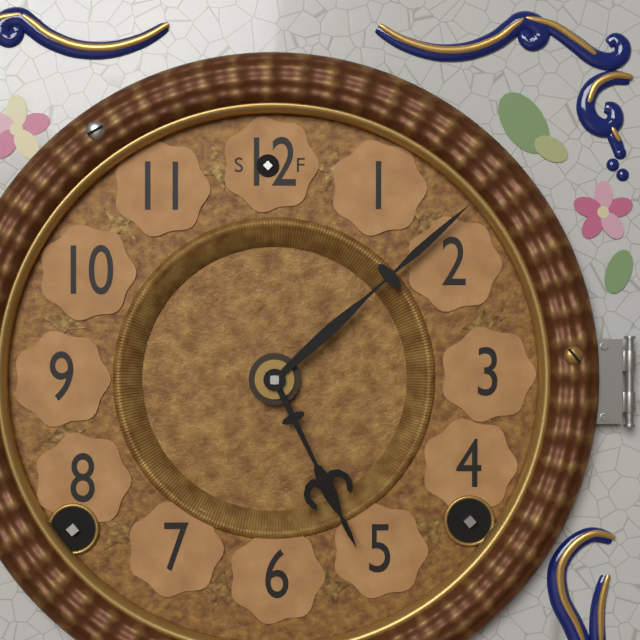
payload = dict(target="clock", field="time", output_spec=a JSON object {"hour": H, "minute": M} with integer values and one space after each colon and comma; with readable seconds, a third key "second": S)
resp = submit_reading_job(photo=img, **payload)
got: {"hour": 5, "minute": 8}
